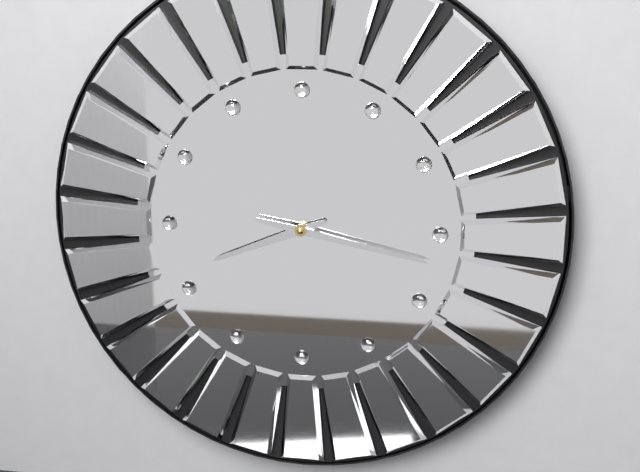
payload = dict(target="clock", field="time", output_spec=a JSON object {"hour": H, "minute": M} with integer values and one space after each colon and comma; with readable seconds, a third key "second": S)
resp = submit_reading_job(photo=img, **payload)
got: {"hour": 8, "minute": 17}
